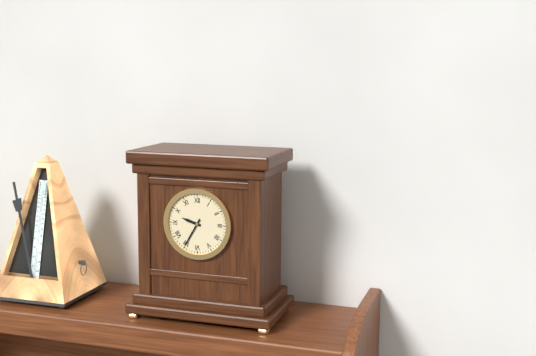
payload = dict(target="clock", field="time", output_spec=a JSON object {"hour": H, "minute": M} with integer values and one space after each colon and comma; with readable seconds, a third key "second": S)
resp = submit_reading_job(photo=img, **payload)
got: {"hour": 9, "minute": 35}
